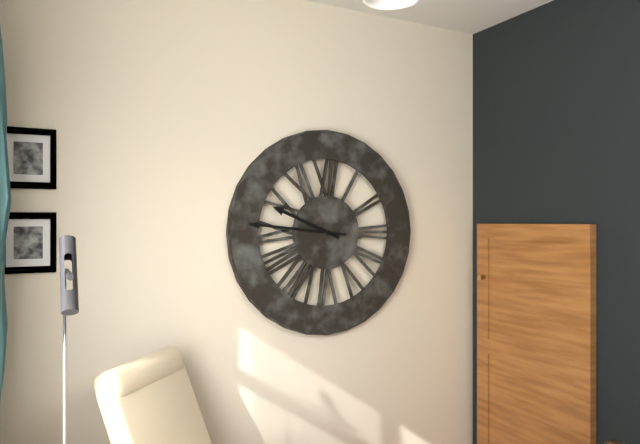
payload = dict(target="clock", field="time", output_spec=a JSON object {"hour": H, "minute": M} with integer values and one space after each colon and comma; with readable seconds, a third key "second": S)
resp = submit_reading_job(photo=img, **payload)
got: {"hour": 9, "minute": 46}
